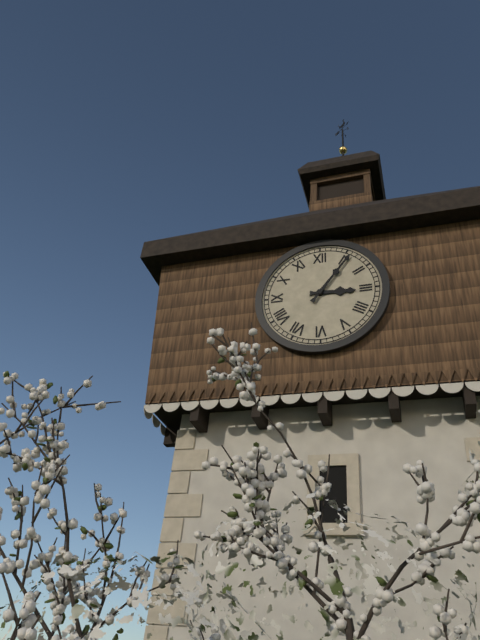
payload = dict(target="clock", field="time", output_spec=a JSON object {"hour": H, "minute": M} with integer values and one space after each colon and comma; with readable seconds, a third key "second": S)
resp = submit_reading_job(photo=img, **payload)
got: {"hour": 3, "minute": 6}
